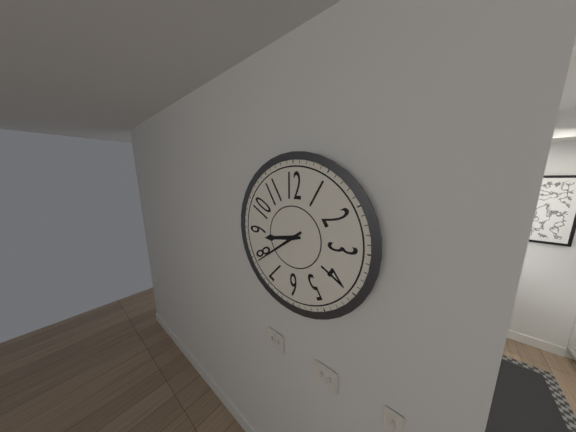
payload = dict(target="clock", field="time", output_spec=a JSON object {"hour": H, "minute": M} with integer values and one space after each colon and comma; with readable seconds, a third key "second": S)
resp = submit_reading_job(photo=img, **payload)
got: {"hour": 8, "minute": 39}
